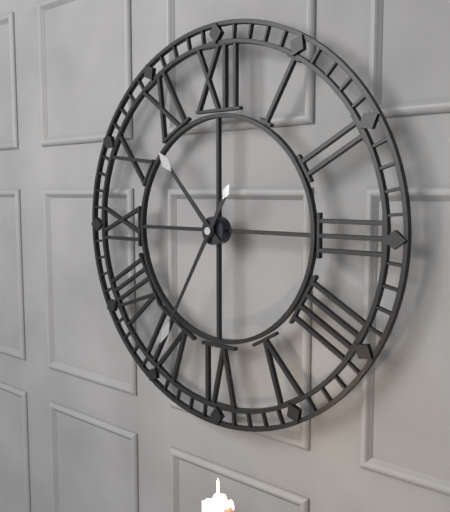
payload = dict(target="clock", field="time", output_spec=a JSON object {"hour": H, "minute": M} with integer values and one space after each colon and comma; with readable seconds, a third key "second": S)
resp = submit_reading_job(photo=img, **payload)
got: {"hour": 10, "minute": 35}
